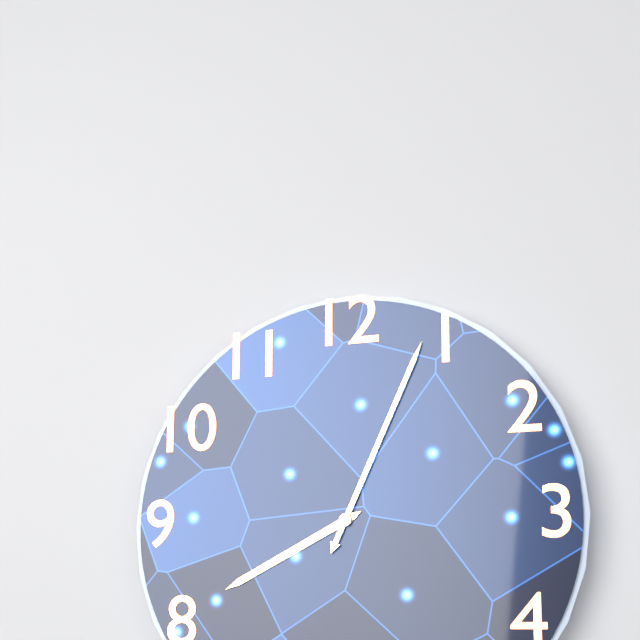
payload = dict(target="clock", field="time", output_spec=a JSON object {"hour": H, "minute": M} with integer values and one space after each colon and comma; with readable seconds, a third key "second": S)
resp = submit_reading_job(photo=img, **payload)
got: {"hour": 8, "minute": 4}
